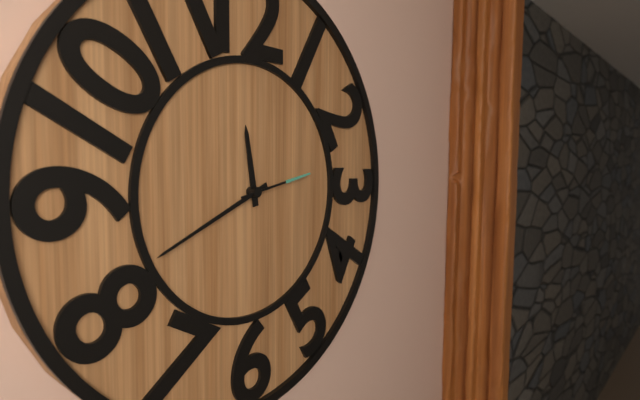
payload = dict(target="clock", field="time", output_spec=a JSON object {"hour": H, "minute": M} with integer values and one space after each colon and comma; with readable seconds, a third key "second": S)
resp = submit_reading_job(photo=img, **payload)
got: {"hour": 11, "minute": 41, "second": 13}
